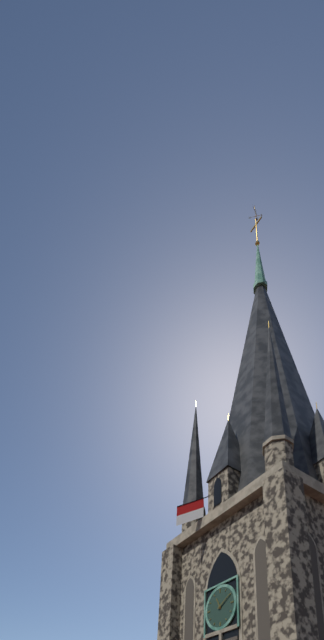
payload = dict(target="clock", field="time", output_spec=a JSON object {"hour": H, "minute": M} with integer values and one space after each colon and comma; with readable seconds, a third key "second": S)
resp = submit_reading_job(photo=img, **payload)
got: {"hour": 11, "minute": 10}
